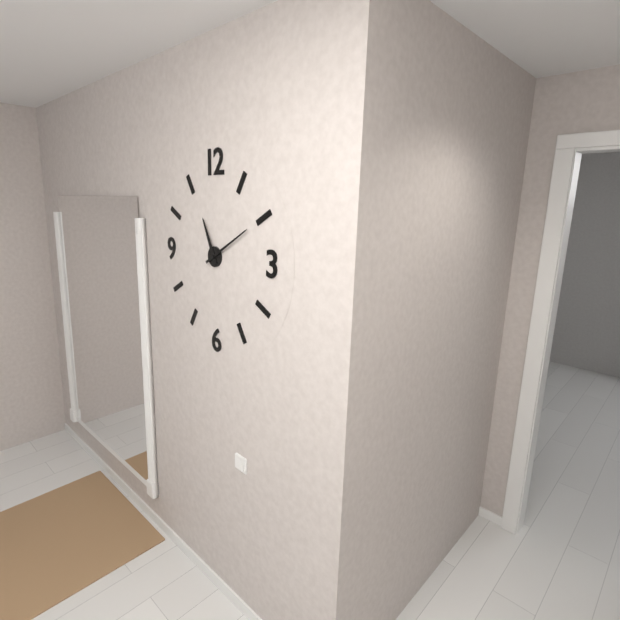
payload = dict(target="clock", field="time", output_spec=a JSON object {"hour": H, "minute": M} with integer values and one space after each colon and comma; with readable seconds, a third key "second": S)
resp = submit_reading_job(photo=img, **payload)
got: {"hour": 11, "minute": 10}
